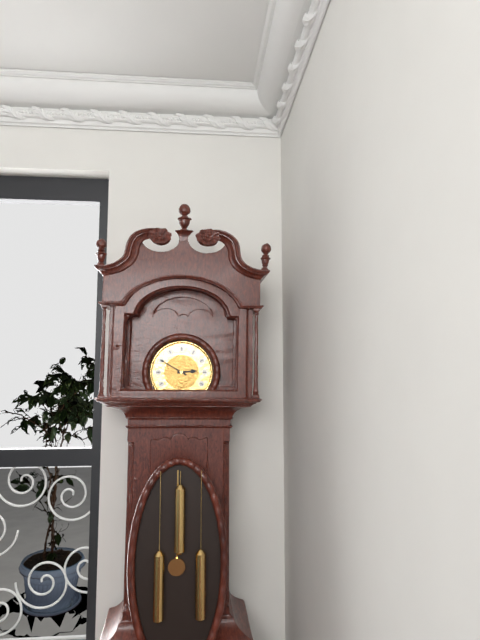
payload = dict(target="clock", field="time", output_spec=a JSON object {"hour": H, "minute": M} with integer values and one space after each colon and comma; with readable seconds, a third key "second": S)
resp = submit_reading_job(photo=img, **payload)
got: {"hour": 2, "minute": 50}
